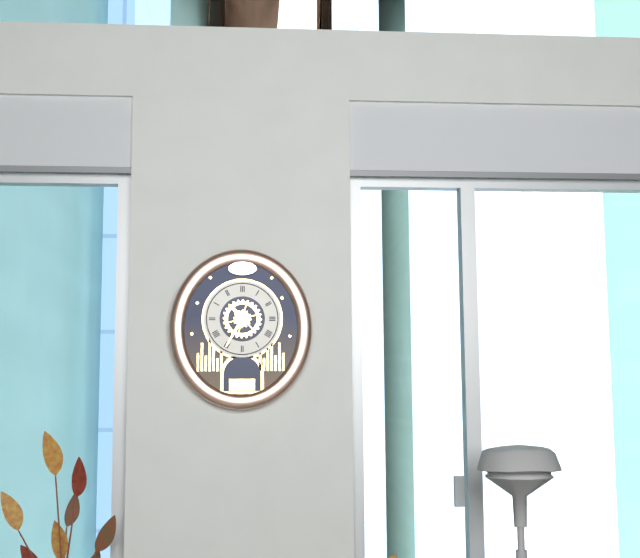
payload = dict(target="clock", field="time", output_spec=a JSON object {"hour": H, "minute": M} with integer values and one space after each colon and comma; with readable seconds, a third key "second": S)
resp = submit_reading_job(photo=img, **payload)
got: {"hour": 10, "minute": 35}
